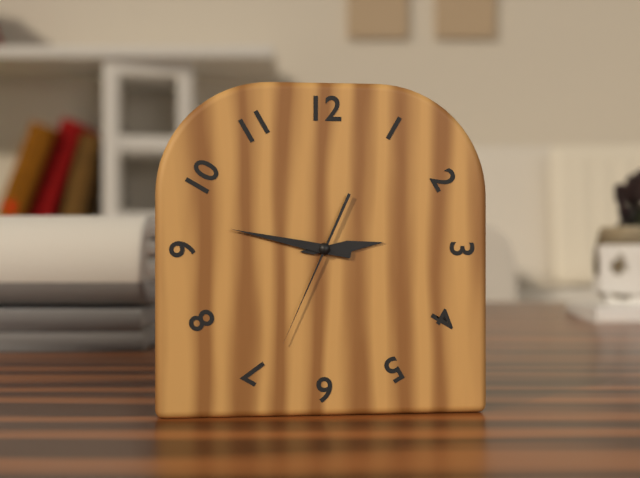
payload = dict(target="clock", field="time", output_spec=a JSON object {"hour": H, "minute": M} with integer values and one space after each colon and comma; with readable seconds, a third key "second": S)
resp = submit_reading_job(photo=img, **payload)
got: {"hour": 2, "minute": 47, "second": 34}
